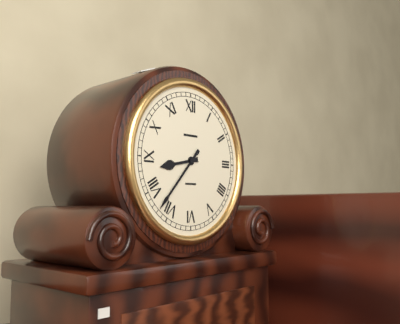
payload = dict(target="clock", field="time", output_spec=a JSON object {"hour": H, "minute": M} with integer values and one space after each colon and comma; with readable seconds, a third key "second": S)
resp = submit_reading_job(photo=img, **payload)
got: {"hour": 8, "minute": 37}
